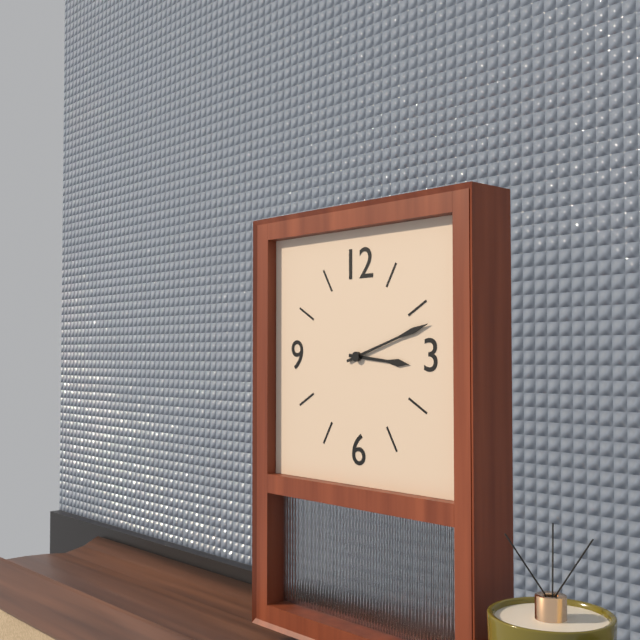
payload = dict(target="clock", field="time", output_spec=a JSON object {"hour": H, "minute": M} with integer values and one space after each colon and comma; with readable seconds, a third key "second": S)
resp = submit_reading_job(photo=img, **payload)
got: {"hour": 3, "minute": 12}
